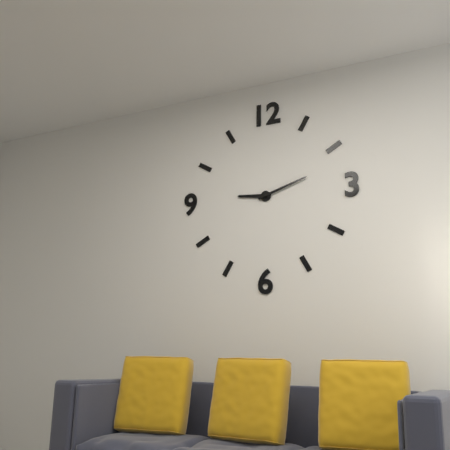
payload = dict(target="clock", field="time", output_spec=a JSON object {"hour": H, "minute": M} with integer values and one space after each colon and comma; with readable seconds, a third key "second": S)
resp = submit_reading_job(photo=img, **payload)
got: {"hour": 9, "minute": 12}
